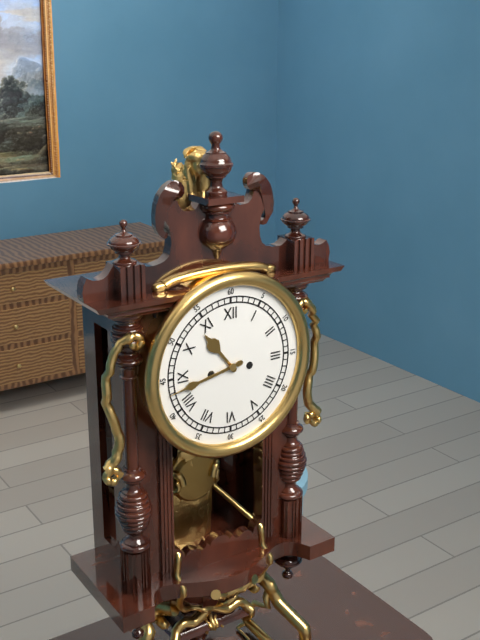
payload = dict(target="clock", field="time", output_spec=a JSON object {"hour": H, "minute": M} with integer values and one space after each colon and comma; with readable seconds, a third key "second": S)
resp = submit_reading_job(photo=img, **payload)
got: {"hour": 10, "minute": 43}
